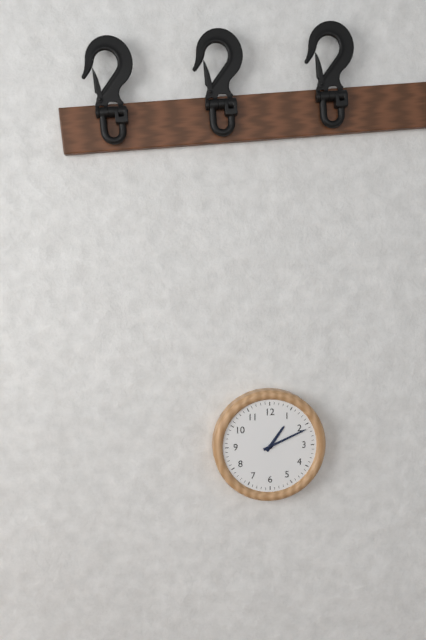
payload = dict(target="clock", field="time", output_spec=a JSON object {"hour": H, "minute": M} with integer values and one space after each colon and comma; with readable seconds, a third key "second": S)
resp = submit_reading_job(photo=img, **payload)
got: {"hour": 1, "minute": 11}
